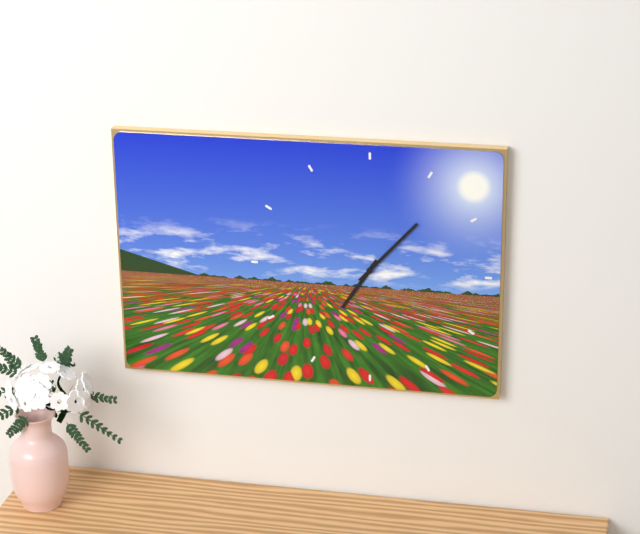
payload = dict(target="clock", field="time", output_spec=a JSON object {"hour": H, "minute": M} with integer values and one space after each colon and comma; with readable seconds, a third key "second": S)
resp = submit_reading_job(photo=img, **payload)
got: {"hour": 7, "minute": 7}
